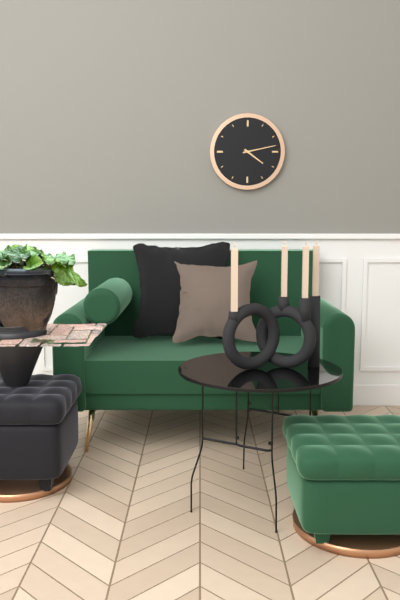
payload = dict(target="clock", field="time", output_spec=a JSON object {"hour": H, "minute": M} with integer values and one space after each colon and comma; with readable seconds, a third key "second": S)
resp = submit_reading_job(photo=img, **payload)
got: {"hour": 4, "minute": 13}
